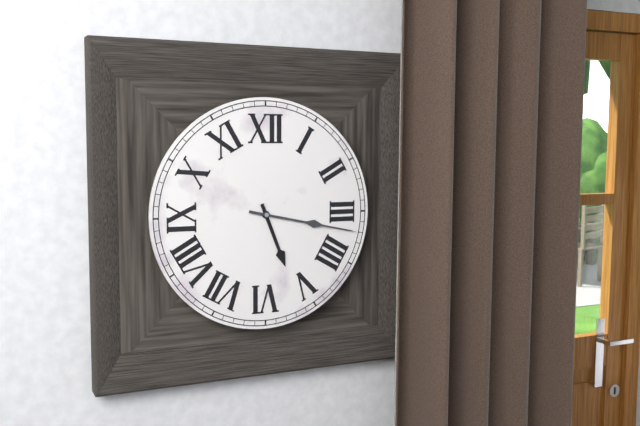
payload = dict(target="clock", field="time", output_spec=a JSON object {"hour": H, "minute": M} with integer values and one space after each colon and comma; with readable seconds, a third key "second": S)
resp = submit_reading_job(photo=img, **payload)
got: {"hour": 5, "minute": 17}
